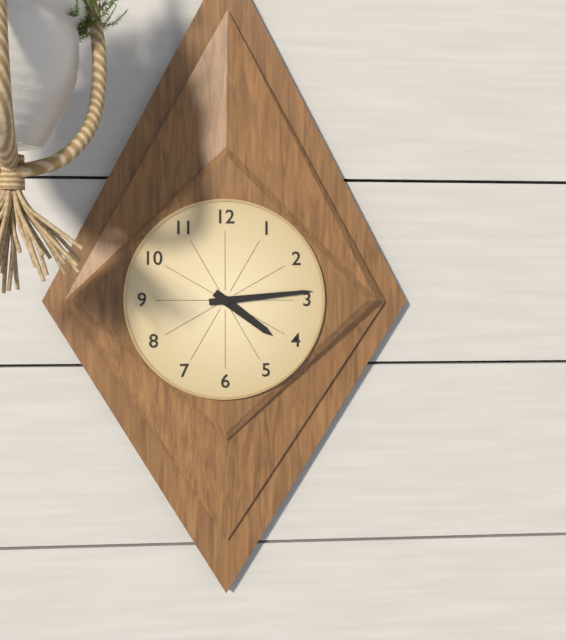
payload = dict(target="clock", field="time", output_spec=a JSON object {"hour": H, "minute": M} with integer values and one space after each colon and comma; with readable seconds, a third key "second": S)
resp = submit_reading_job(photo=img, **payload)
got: {"hour": 4, "minute": 14}
